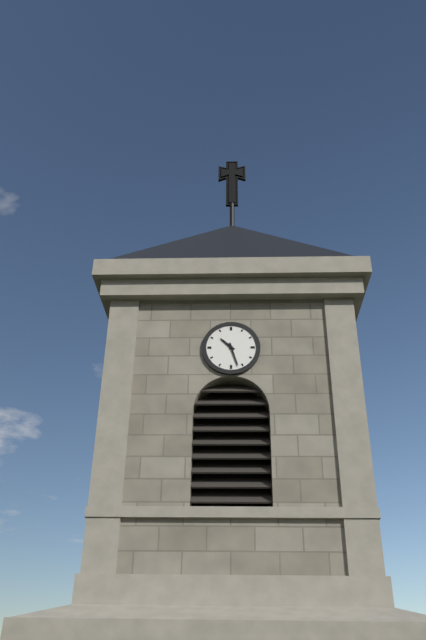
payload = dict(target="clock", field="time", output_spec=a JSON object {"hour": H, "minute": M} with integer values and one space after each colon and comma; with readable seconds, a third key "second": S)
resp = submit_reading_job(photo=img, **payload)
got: {"hour": 10, "minute": 27}
